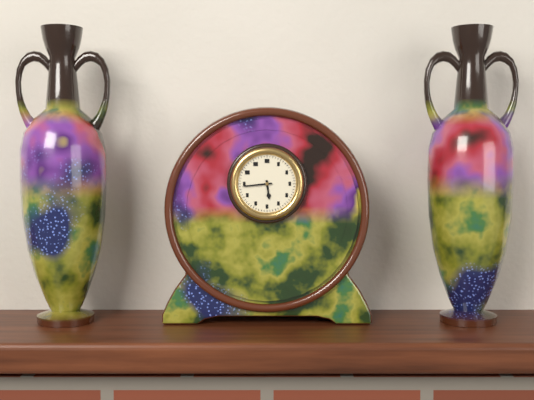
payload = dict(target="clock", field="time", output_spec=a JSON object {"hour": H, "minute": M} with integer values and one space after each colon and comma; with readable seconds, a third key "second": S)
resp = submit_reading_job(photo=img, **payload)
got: {"hour": 5, "minute": 44}
